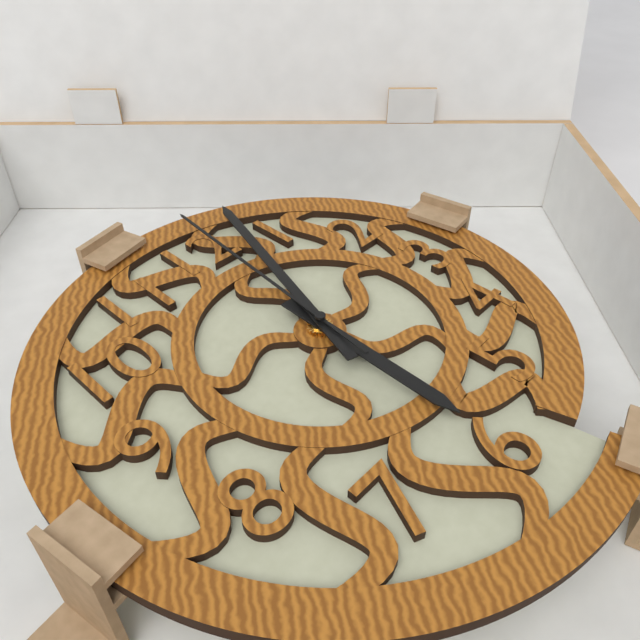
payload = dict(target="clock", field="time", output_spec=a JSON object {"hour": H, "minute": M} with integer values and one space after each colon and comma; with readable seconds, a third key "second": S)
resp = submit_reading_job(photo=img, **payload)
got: {"hour": 6, "minute": 3, "second": 1}
